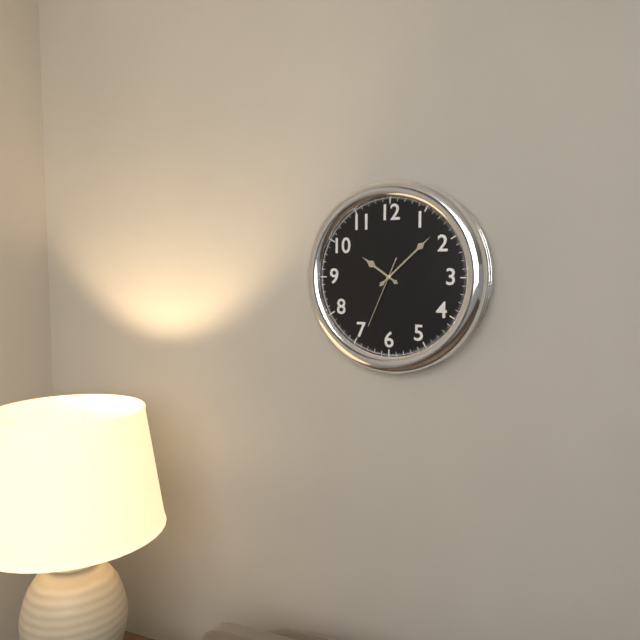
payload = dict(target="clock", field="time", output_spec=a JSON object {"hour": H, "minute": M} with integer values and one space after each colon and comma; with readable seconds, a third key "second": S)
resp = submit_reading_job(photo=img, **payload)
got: {"hour": 10, "minute": 8, "second": 34}
